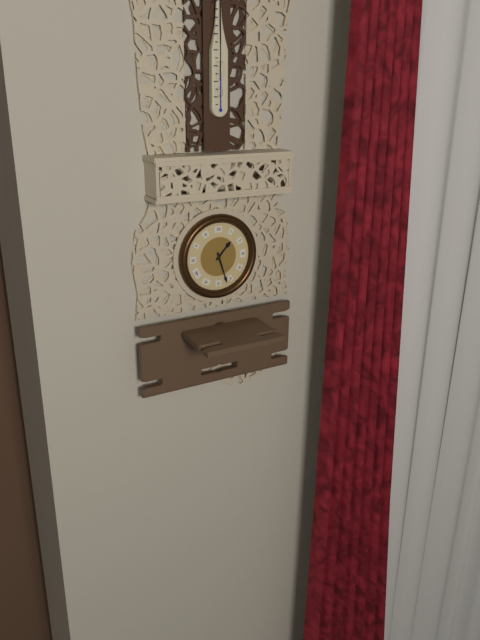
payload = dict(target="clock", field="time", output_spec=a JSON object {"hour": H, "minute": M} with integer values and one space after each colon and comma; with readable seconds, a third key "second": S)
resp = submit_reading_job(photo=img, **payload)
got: {"hour": 1, "minute": 27}
